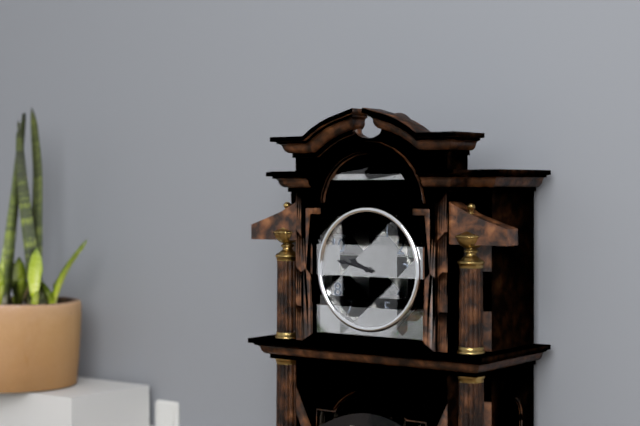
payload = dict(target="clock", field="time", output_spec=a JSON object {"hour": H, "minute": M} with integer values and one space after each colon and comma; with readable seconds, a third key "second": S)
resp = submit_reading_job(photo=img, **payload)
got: {"hour": 9, "minute": 47}
